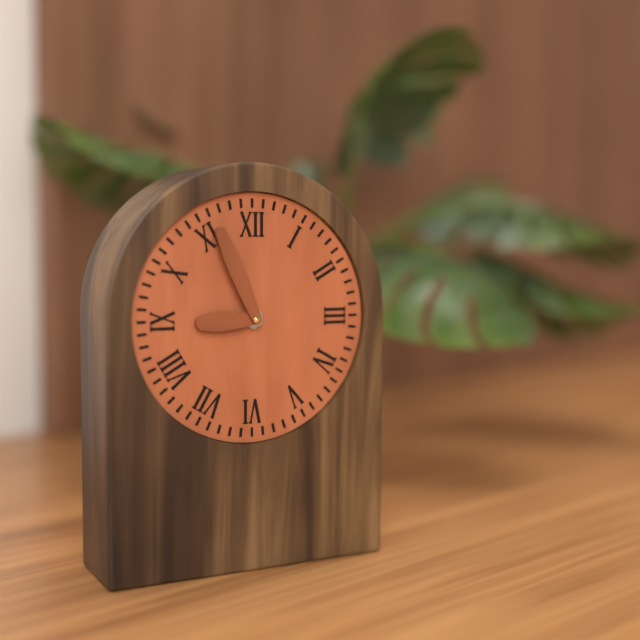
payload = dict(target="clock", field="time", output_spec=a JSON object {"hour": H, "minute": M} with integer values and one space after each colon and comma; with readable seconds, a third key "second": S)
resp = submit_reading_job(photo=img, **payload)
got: {"hour": 8, "minute": 56}
